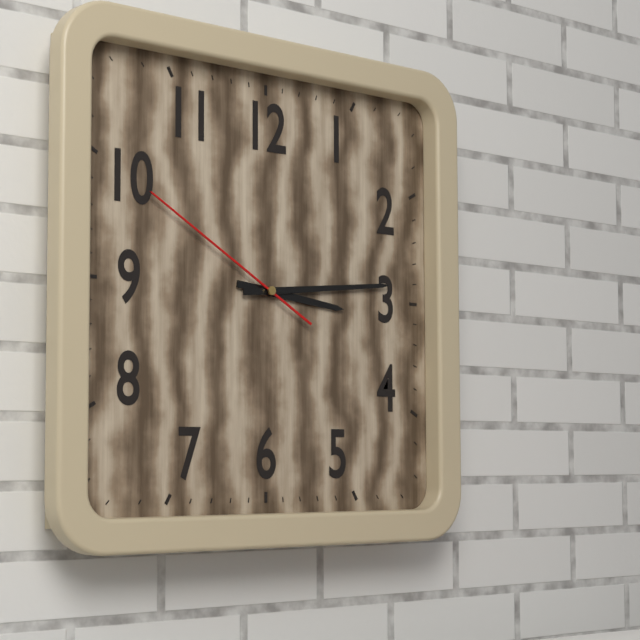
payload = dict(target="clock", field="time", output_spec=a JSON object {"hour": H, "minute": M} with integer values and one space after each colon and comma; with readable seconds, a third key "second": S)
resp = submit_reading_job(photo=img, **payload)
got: {"hour": 3, "minute": 14, "second": 50}
